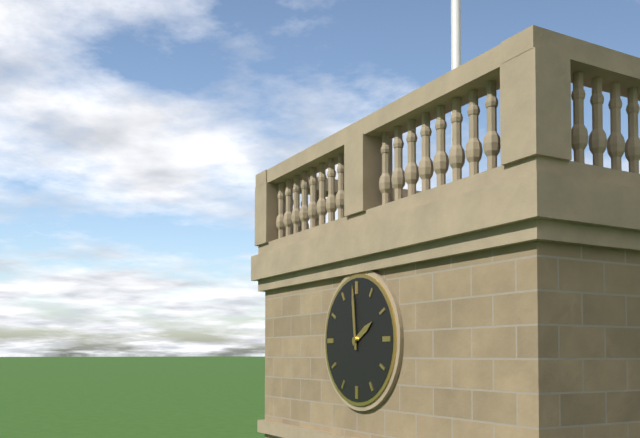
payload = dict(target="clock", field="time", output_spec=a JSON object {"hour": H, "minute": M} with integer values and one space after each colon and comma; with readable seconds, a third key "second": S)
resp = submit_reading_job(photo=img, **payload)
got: {"hour": 1, "minute": 59}
